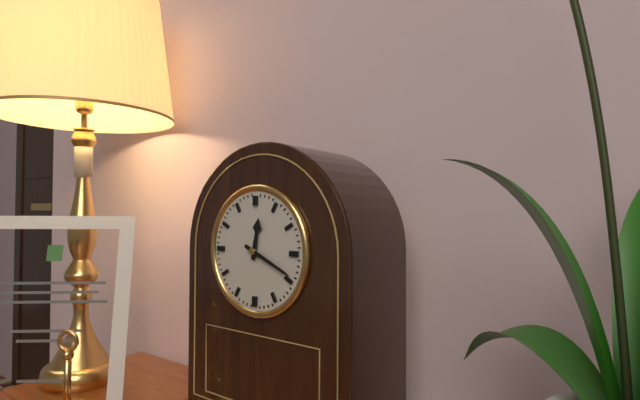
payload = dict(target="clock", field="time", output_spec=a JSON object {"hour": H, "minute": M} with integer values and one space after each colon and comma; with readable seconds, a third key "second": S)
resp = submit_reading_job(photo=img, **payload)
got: {"hour": 12, "minute": 19}
